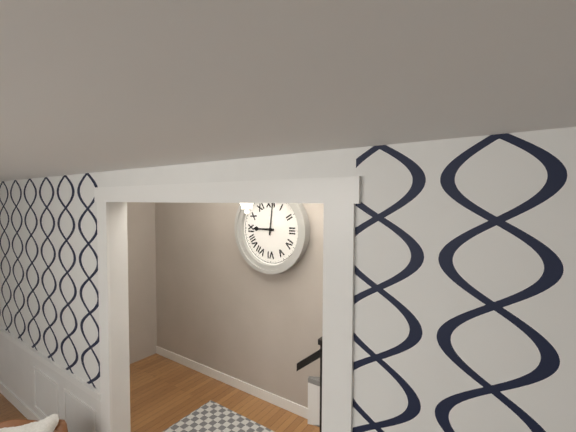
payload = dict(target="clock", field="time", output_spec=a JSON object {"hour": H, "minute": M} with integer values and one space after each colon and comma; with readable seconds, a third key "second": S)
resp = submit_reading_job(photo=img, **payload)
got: {"hour": 9, "minute": 1}
